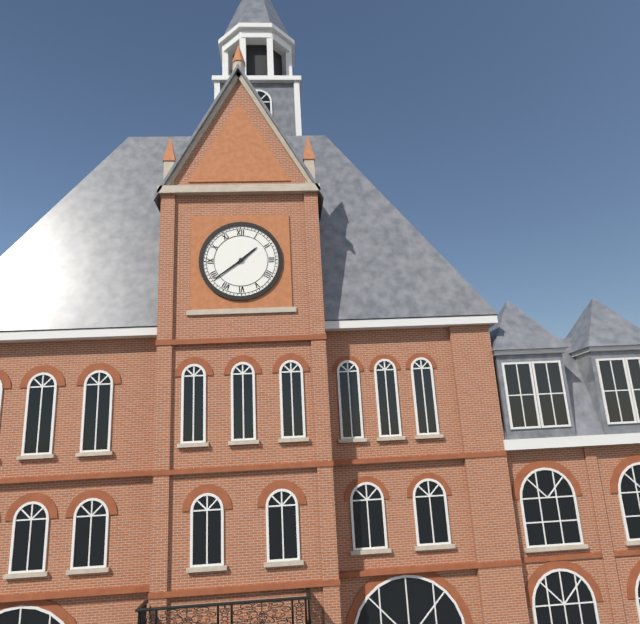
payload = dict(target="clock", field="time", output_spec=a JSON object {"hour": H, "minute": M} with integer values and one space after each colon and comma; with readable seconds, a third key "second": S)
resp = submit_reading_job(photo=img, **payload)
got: {"hour": 1, "minute": 39}
